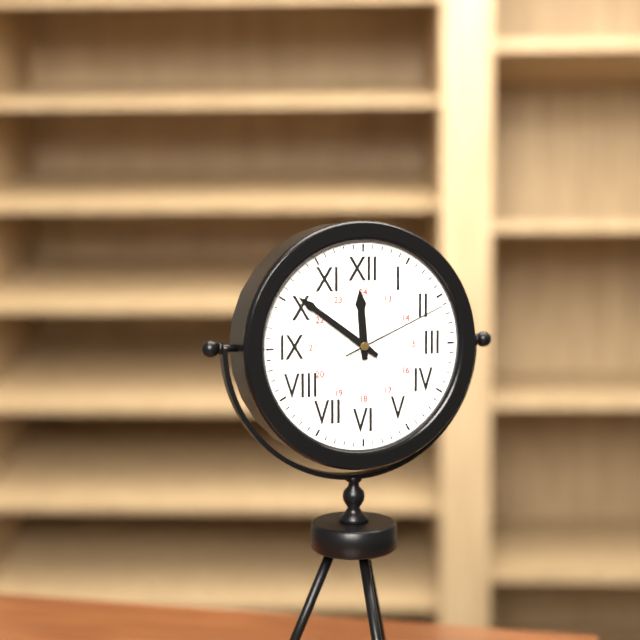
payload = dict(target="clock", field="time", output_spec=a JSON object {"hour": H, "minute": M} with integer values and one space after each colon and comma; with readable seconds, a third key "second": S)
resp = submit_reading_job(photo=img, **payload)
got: {"hour": 11, "minute": 51, "second": 11}
